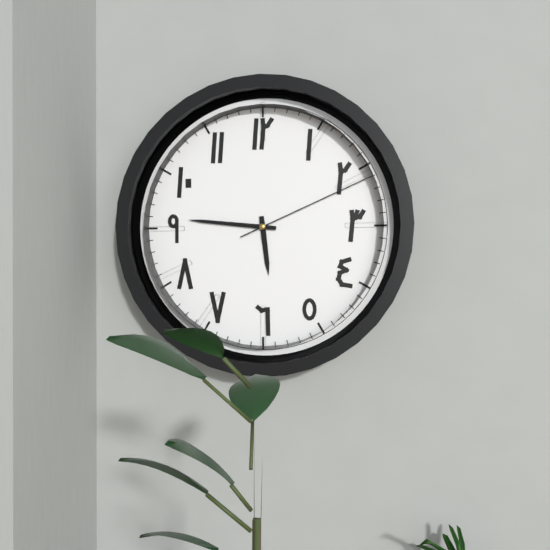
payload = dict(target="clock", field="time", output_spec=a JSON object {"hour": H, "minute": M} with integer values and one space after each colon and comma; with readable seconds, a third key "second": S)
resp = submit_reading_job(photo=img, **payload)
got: {"hour": 5, "minute": 46, "second": 11}
